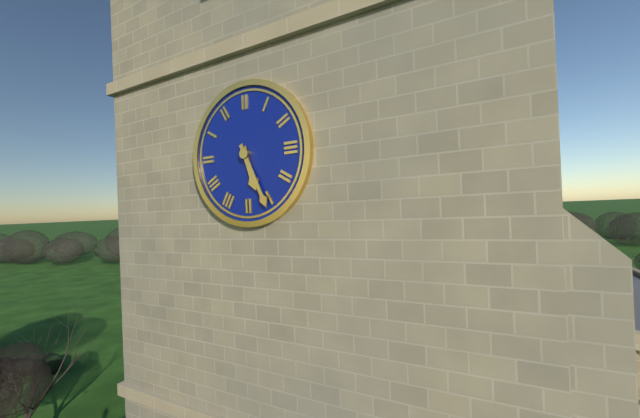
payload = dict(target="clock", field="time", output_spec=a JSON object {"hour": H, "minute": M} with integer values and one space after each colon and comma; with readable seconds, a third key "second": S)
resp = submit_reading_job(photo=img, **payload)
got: {"hour": 5, "minute": 26}
